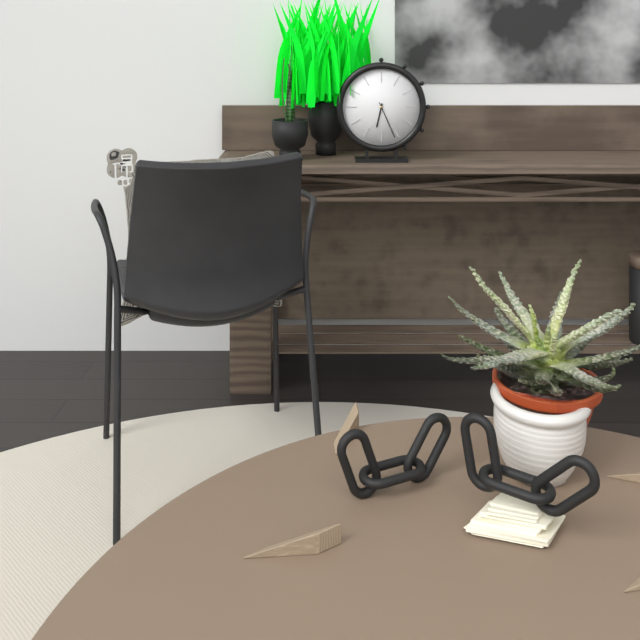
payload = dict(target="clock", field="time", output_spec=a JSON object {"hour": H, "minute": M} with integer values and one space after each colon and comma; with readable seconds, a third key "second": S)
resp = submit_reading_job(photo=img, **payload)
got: {"hour": 6, "minute": 26}
